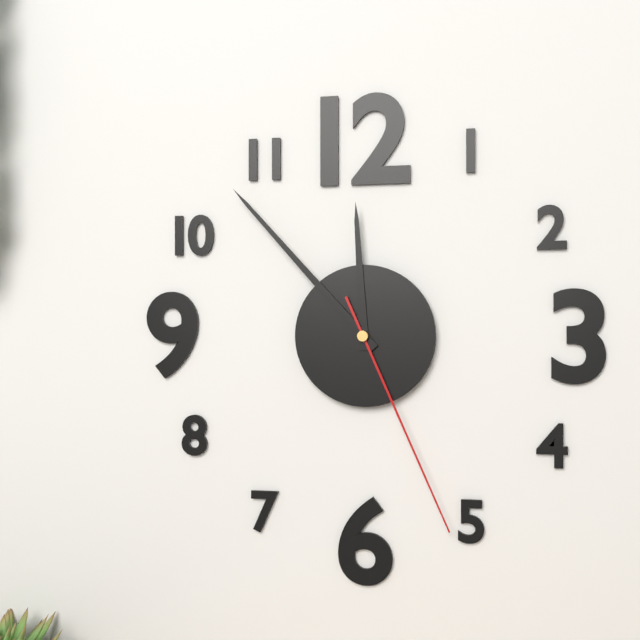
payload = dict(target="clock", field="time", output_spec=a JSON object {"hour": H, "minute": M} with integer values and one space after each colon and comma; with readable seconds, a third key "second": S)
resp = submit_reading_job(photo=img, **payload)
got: {"hour": 11, "minute": 53, "second": 26}
